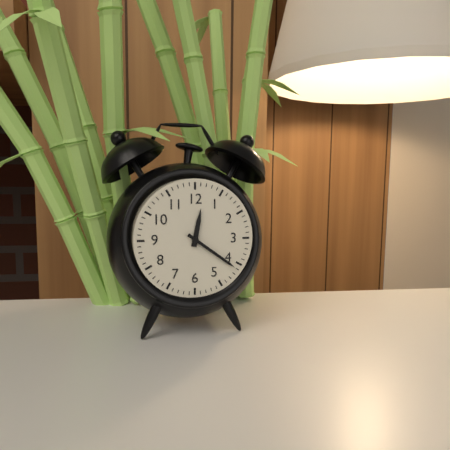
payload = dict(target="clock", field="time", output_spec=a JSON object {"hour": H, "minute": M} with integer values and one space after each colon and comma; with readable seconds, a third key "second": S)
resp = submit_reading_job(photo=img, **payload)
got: {"hour": 12, "minute": 21}
